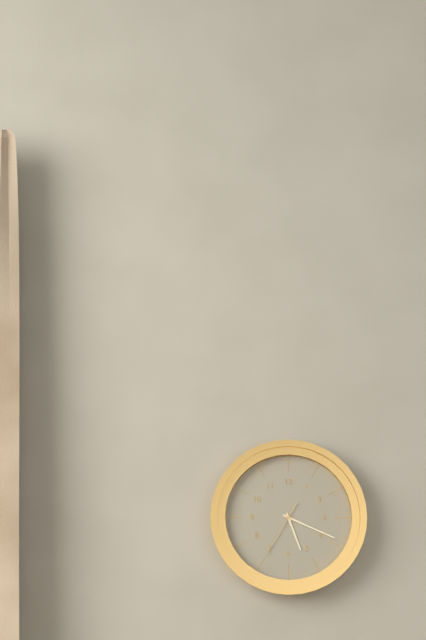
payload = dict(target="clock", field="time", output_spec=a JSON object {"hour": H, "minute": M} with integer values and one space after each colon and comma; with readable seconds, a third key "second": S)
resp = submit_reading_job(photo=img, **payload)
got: {"hour": 5, "minute": 19, "second": 35}
